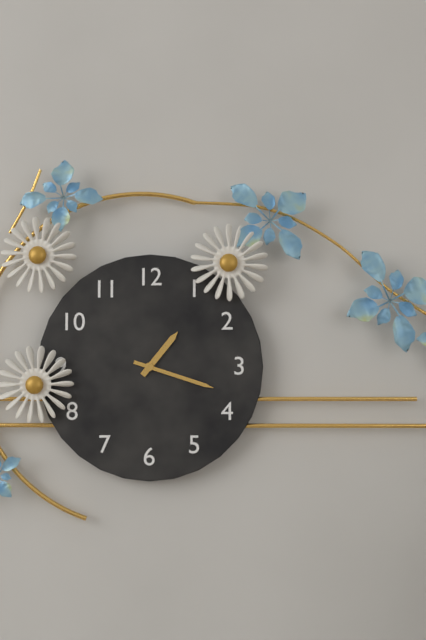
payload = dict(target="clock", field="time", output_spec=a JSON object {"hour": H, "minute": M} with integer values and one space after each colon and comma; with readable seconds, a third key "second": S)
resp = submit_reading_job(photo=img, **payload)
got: {"hour": 1, "minute": 18}
